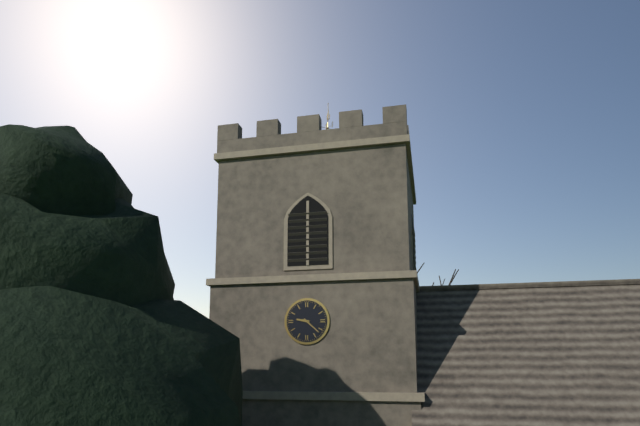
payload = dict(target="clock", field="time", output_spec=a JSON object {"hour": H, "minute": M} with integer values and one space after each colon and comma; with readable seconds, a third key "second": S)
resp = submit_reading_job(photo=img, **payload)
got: {"hour": 9, "minute": 22}
